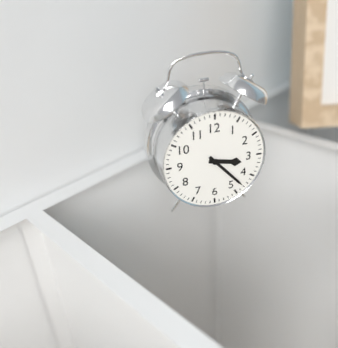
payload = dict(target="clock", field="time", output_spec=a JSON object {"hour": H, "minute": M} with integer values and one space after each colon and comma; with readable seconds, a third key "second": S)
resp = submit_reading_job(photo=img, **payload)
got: {"hour": 3, "minute": 23}
